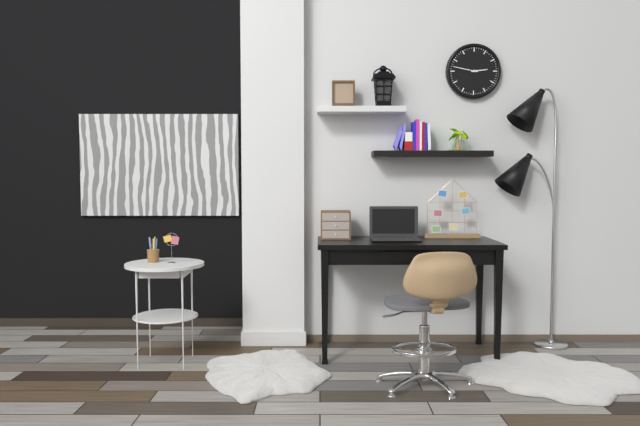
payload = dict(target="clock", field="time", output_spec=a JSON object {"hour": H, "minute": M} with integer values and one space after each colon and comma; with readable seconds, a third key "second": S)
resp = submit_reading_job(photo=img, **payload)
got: {"hour": 2, "minute": 47}
